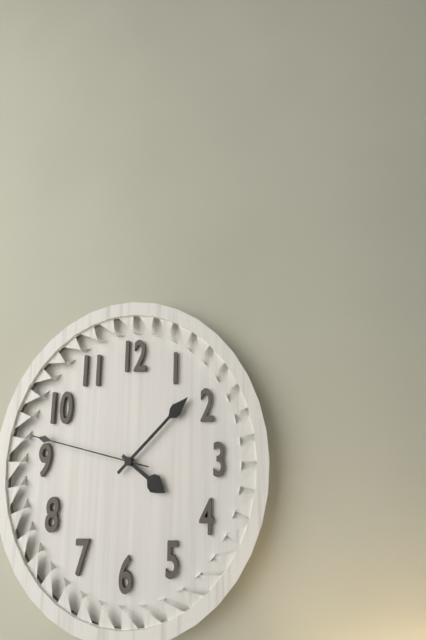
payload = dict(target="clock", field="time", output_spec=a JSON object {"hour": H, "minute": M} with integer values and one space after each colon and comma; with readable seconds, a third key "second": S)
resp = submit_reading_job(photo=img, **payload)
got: {"hour": 4, "minute": 8, "second": 47}
